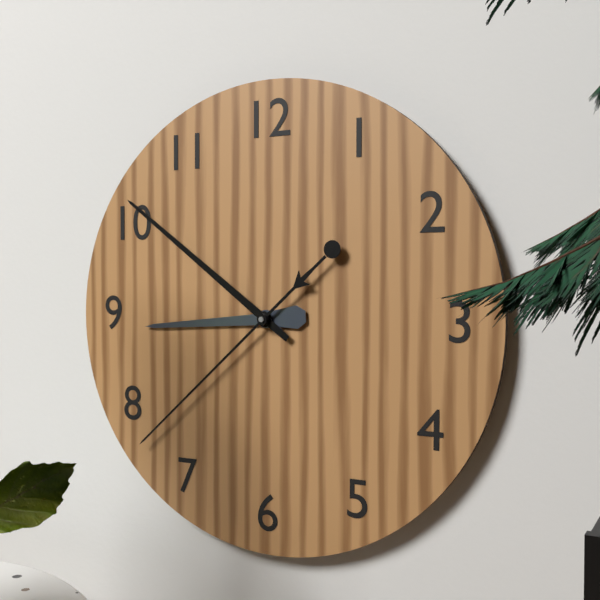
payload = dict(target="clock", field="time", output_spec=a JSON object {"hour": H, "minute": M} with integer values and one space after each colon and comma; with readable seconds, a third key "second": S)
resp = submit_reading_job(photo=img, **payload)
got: {"hour": 8, "minute": 51, "second": 38}
